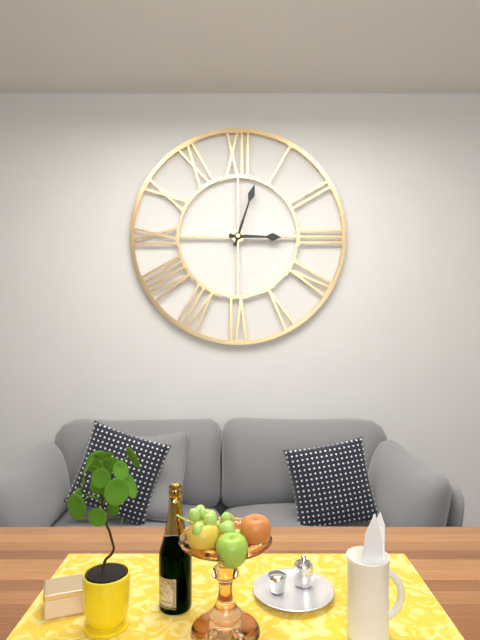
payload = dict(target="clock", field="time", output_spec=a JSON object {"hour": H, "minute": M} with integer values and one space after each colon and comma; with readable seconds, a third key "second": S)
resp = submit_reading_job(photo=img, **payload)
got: {"hour": 3, "minute": 3}
